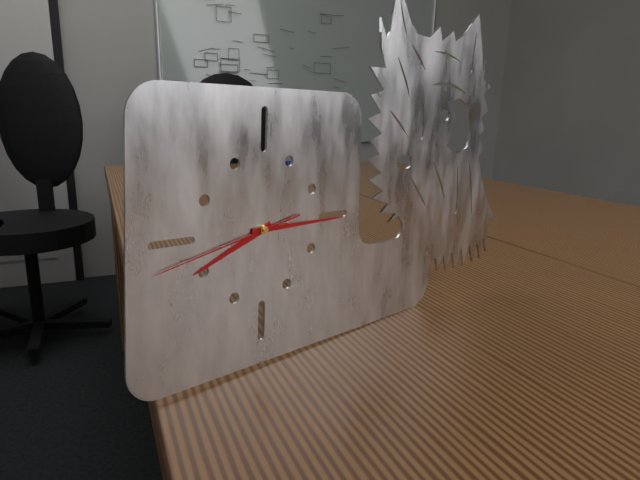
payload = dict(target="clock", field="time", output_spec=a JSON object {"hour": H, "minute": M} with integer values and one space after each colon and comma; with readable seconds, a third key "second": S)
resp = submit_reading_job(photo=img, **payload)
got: {"hour": 8, "minute": 15, "second": 43}
